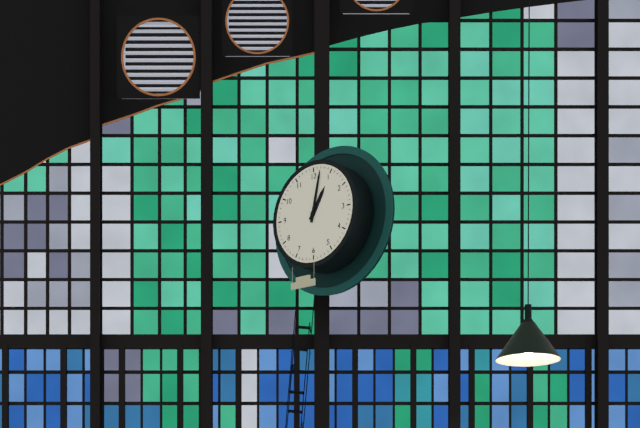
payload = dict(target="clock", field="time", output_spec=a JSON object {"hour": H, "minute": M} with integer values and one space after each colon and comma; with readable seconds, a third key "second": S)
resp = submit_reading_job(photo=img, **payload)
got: {"hour": 1, "minute": 2}
